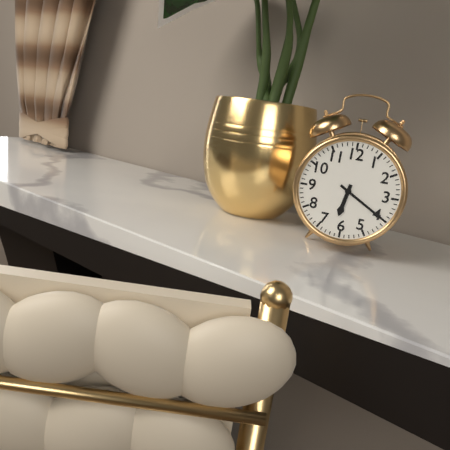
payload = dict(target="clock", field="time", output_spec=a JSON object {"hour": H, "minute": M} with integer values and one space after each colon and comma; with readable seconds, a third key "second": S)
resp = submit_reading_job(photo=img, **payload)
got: {"hour": 6, "minute": 20}
